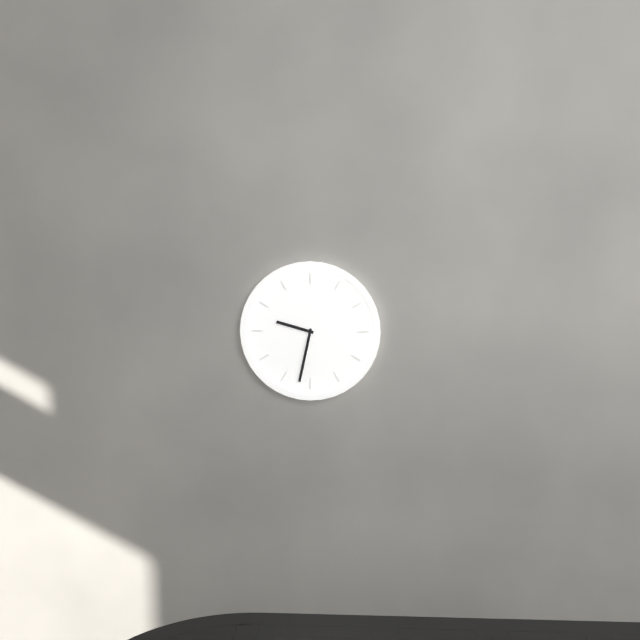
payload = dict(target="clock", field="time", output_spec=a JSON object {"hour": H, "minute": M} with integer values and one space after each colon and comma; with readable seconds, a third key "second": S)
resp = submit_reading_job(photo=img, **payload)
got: {"hour": 9, "minute": 32}
